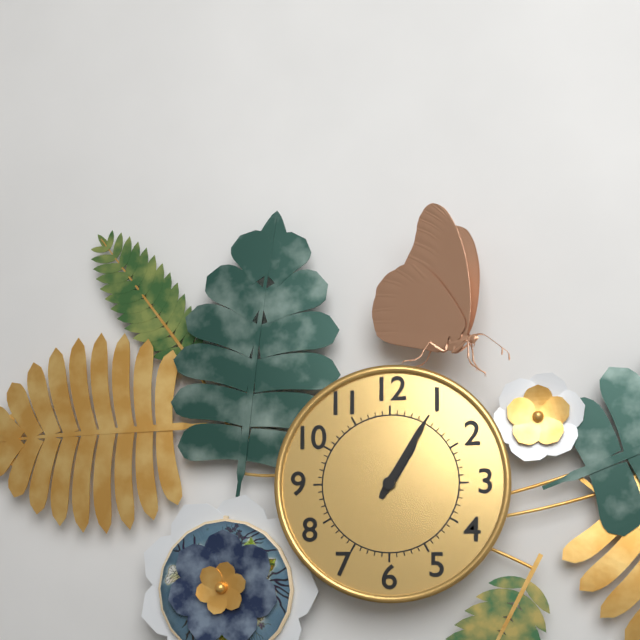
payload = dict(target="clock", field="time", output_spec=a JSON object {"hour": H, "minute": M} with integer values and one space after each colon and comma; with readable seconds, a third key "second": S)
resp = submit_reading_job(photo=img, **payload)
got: {"hour": 1, "minute": 5}
